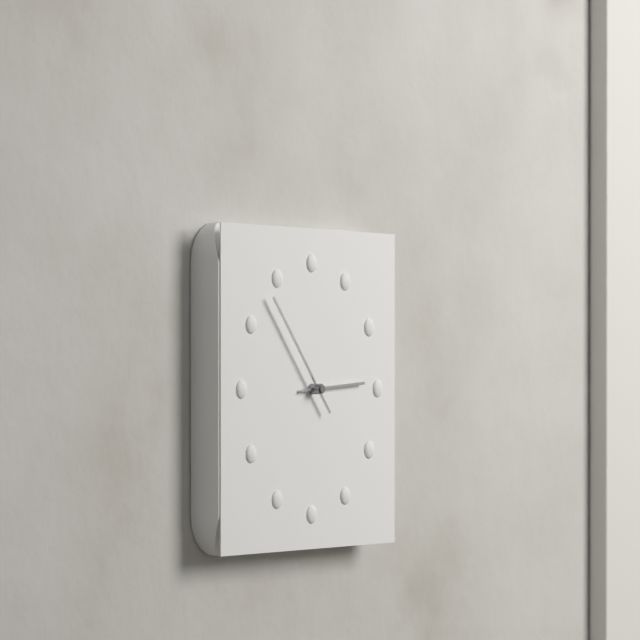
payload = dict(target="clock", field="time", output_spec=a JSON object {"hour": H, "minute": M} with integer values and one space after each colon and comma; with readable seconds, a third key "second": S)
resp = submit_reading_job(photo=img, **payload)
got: {"hour": 2, "minute": 53}
